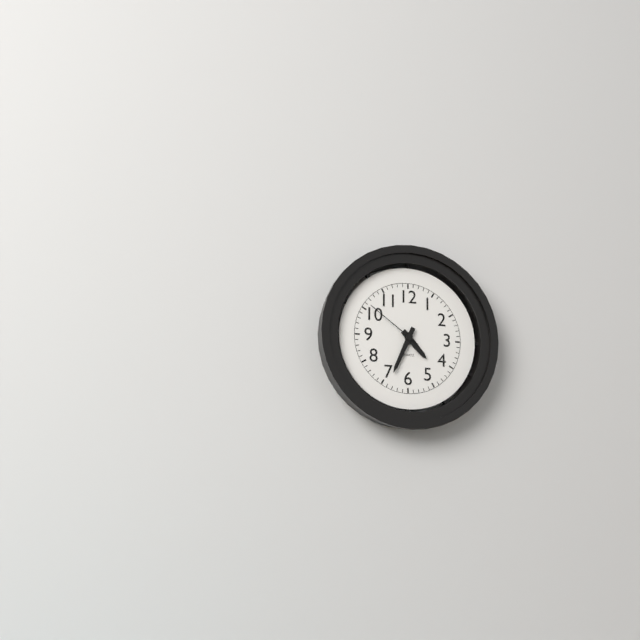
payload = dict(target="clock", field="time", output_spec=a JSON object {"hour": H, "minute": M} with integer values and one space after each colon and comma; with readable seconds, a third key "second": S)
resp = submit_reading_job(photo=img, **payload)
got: {"hour": 4, "minute": 34, "second": 51}
